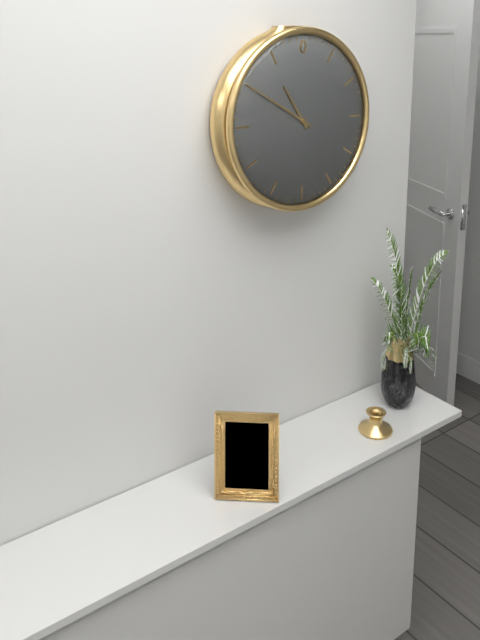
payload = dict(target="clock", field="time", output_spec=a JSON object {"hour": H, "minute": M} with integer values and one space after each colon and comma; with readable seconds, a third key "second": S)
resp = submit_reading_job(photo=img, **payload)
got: {"hour": 10, "minute": 50}
